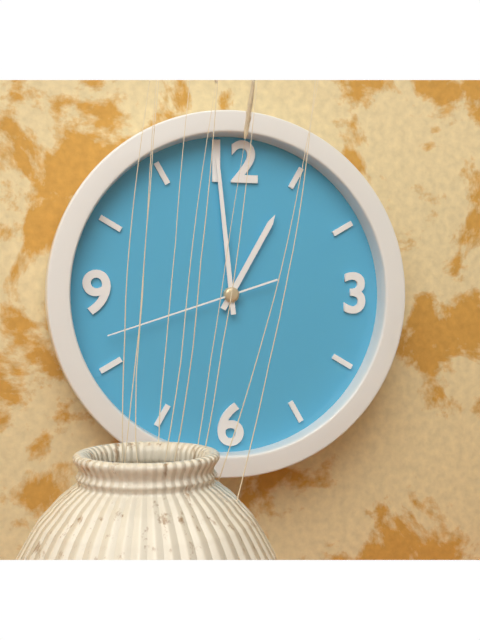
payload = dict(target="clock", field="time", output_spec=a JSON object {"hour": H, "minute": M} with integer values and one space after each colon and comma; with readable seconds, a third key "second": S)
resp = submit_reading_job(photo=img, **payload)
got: {"hour": 12, "minute": 59, "second": 42}
